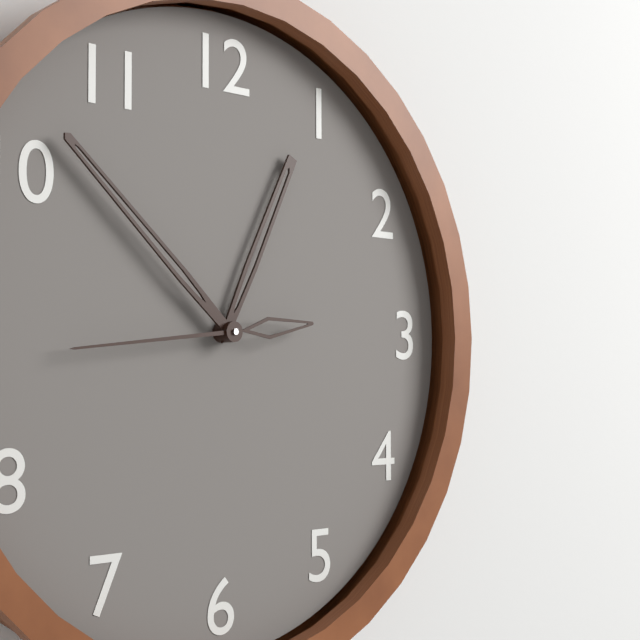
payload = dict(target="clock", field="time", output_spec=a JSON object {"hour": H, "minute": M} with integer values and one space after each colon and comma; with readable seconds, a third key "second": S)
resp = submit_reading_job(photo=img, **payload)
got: {"hour": 12, "minute": 52, "second": 44}
